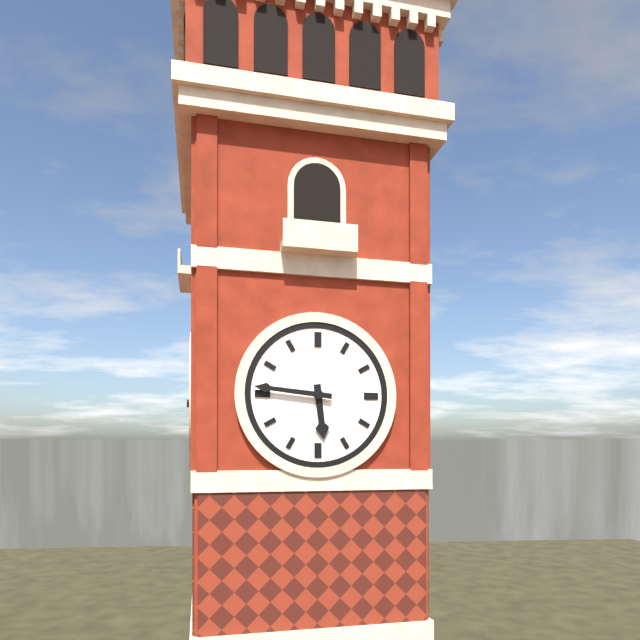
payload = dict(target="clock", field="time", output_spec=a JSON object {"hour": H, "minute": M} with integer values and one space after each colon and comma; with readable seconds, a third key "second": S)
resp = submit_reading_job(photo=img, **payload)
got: {"hour": 5, "minute": 46}
